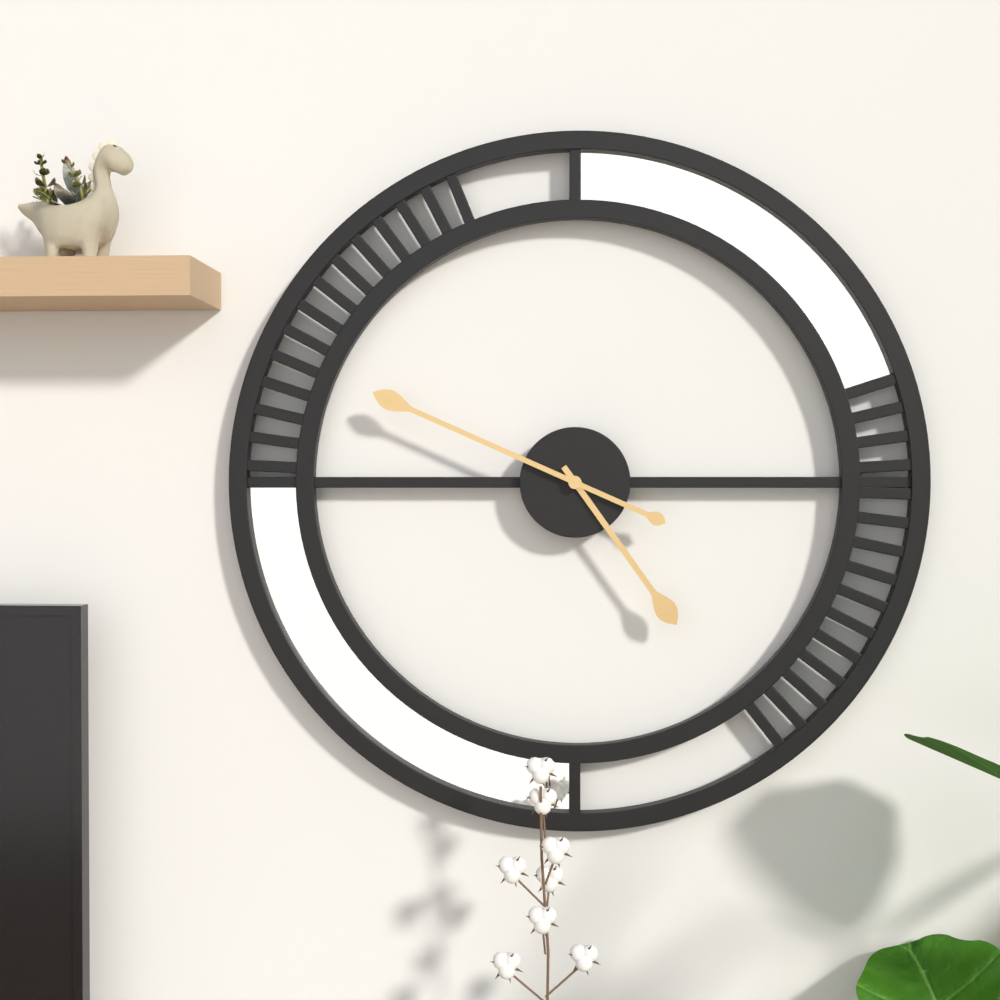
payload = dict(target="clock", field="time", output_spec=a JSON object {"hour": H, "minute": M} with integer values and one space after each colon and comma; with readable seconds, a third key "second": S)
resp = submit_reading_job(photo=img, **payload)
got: {"hour": 4, "minute": 49}
